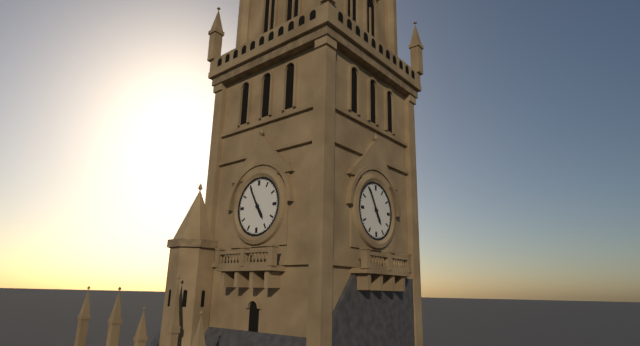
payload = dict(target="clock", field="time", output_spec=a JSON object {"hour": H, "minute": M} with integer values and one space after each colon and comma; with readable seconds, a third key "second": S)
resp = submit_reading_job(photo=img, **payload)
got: {"hour": 4, "minute": 55}
